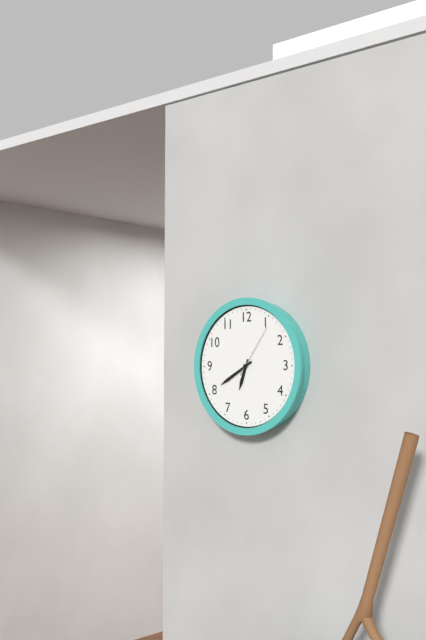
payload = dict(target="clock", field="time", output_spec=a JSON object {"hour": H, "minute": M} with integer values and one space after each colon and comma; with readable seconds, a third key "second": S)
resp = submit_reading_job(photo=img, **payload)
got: {"hour": 6, "minute": 40, "second": 6}
